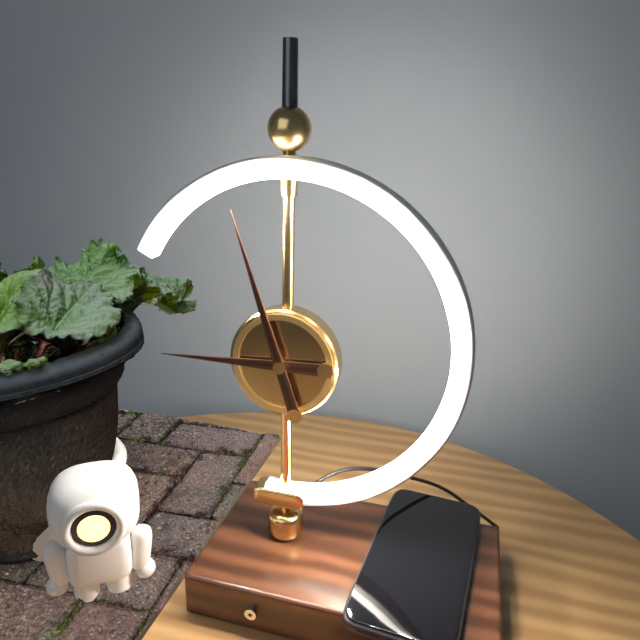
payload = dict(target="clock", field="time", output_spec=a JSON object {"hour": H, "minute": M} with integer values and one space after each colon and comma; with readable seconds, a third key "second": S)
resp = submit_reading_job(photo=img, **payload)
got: {"hour": 8, "minute": 57}
